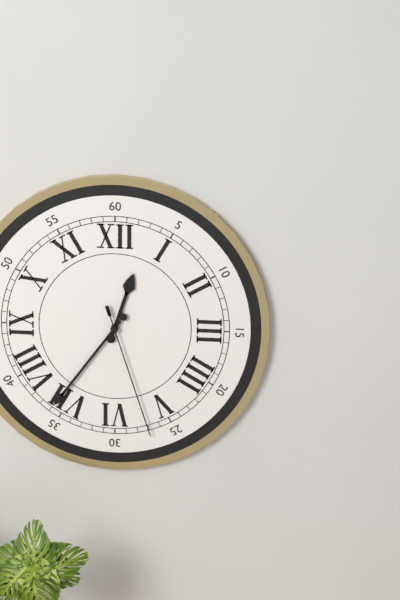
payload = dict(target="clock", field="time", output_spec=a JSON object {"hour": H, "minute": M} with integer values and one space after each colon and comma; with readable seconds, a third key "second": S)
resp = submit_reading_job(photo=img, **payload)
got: {"hour": 12, "minute": 36, "second": 27}
